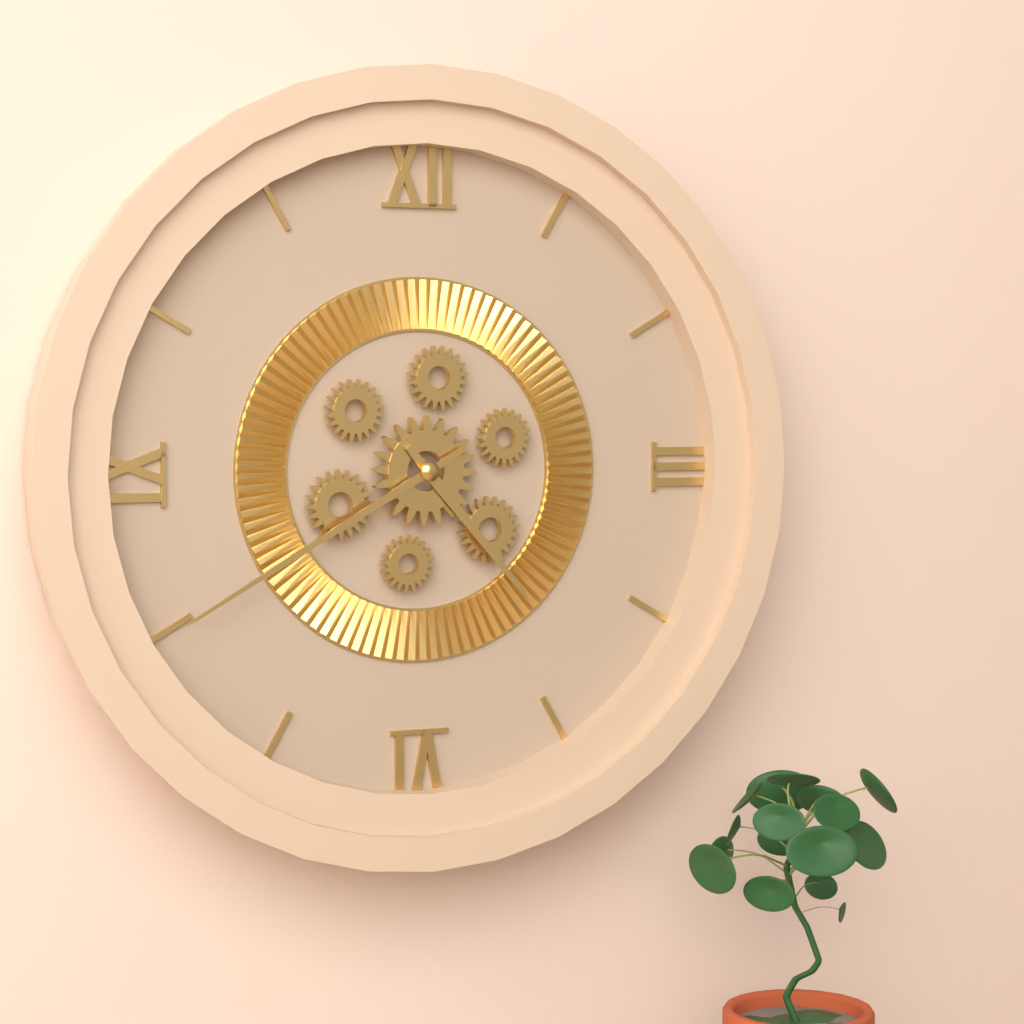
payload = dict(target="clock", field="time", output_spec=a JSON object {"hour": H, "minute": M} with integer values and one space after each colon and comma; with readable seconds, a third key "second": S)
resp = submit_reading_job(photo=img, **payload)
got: {"hour": 4, "minute": 40}
